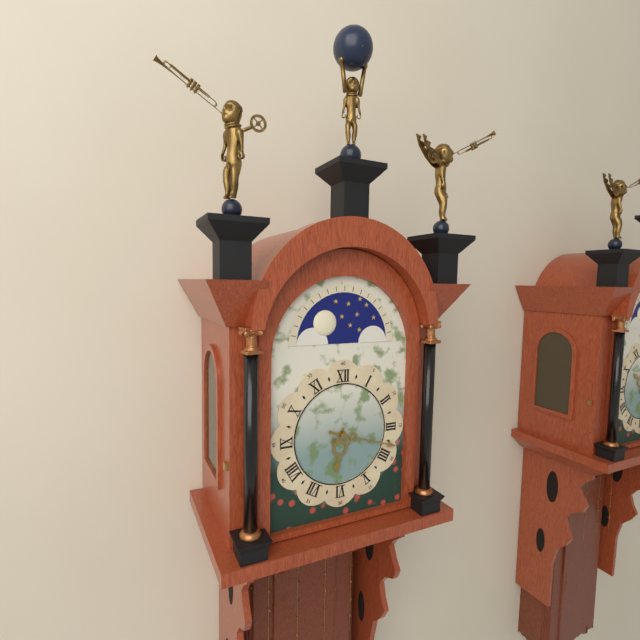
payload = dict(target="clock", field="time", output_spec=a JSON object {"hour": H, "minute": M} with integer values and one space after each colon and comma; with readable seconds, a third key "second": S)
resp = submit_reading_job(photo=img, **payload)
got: {"hour": 6, "minute": 18}
